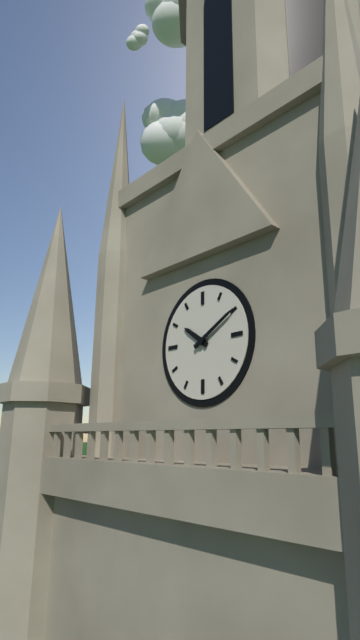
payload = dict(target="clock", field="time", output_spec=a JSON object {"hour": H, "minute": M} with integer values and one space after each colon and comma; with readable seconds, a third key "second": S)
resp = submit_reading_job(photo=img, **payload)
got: {"hour": 10, "minute": 10}
